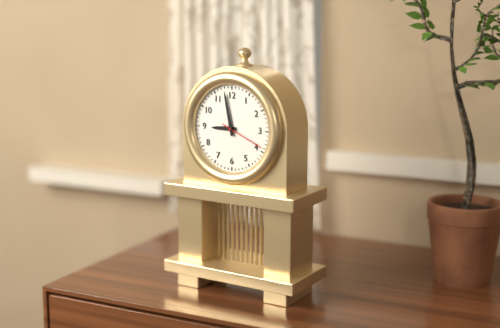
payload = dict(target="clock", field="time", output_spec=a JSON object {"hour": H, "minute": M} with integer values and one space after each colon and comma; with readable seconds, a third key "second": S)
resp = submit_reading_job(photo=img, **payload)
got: {"hour": 8, "minute": 58}
